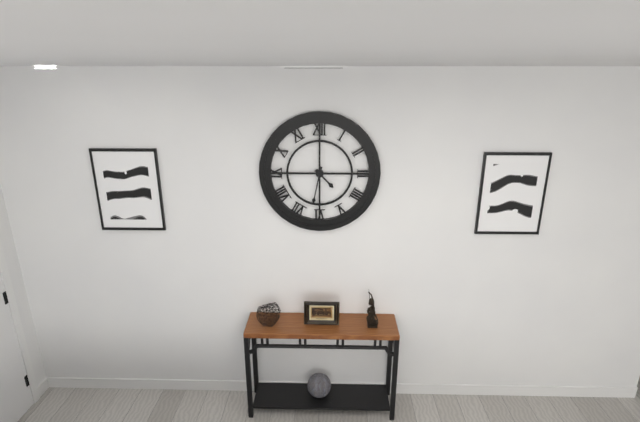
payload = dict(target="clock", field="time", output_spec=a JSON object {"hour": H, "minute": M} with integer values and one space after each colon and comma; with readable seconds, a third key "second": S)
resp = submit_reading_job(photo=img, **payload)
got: {"hour": 4, "minute": 32}
